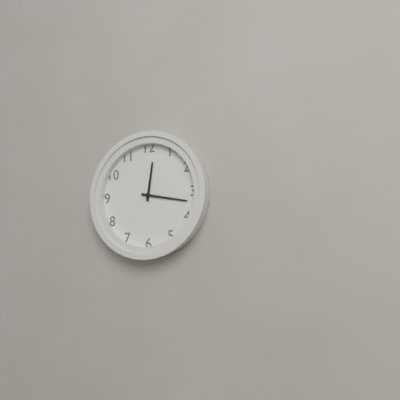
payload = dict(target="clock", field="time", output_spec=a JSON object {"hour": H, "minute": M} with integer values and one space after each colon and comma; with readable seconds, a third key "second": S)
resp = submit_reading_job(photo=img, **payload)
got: {"hour": 12, "minute": 17}
